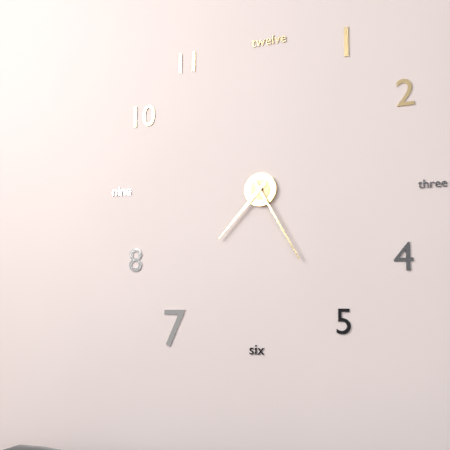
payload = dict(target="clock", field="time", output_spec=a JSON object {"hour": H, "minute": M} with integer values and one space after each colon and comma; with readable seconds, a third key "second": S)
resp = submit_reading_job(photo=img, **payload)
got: {"hour": 7, "minute": 25}
